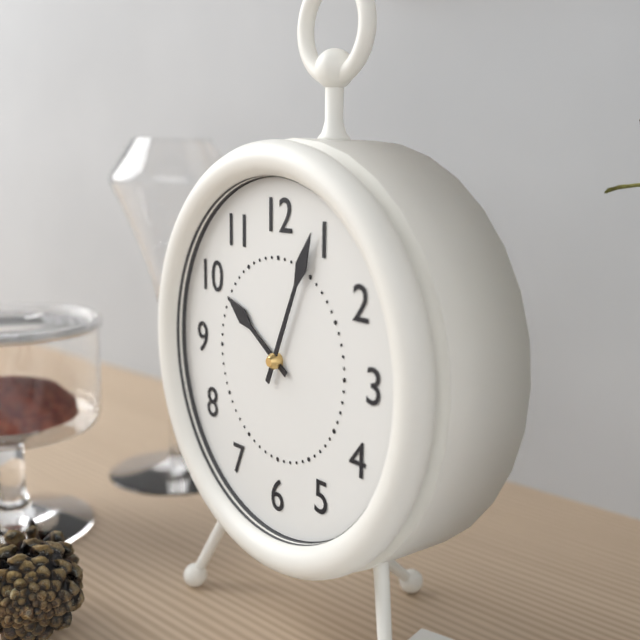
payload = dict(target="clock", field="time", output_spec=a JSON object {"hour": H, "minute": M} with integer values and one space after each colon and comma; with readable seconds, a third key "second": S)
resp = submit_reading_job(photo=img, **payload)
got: {"hour": 10, "minute": 4}
